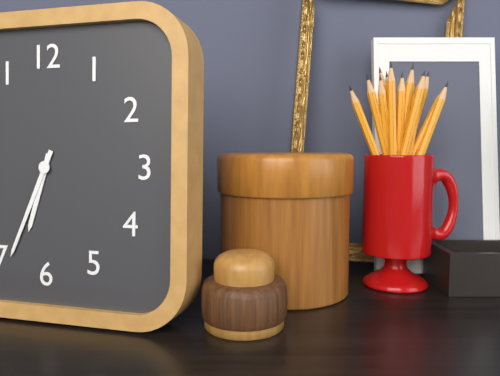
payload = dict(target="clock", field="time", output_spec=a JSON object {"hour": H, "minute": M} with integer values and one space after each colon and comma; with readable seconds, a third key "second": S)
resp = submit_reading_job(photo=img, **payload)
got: {"hour": 6, "minute": 34}
